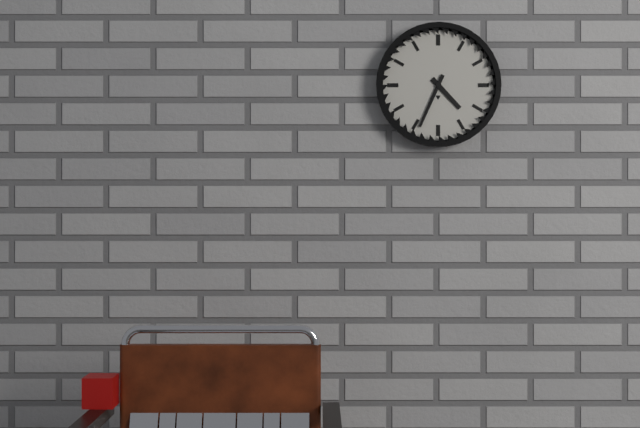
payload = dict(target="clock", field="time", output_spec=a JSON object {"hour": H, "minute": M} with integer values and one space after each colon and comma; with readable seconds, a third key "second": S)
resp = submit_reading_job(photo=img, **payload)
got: {"hour": 4, "minute": 34}
